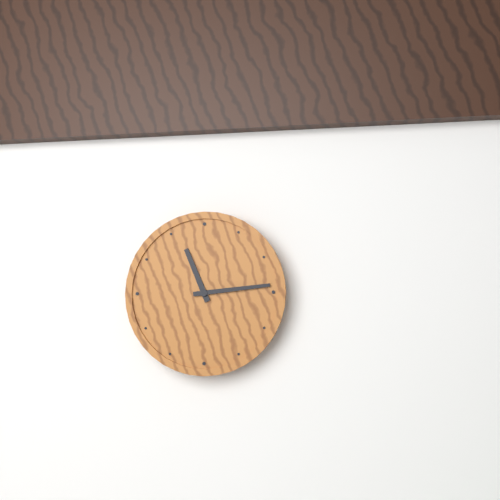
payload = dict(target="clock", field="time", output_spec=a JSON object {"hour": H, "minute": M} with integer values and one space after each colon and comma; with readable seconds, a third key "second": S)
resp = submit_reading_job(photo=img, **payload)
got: {"hour": 11, "minute": 14}
